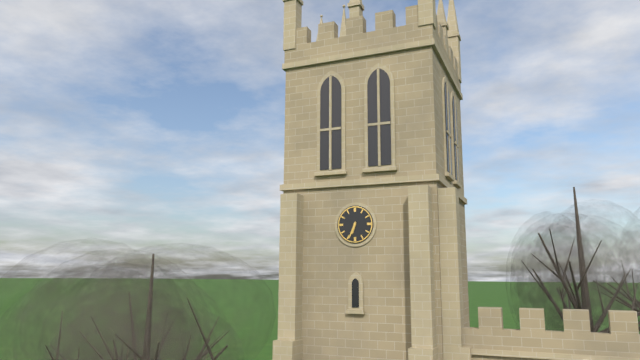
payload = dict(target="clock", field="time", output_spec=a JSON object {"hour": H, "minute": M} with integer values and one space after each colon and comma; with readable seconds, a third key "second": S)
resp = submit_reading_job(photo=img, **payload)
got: {"hour": 6, "minute": 34}
